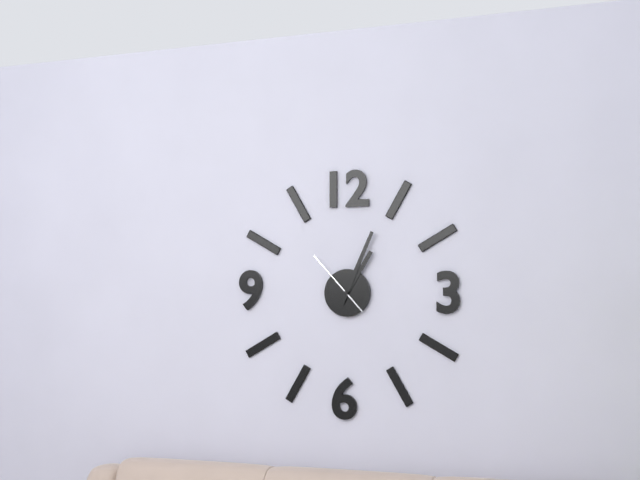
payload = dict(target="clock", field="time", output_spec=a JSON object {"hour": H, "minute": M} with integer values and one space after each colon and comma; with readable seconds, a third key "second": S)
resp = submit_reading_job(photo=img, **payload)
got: {"hour": 1, "minute": 4, "second": 53}
